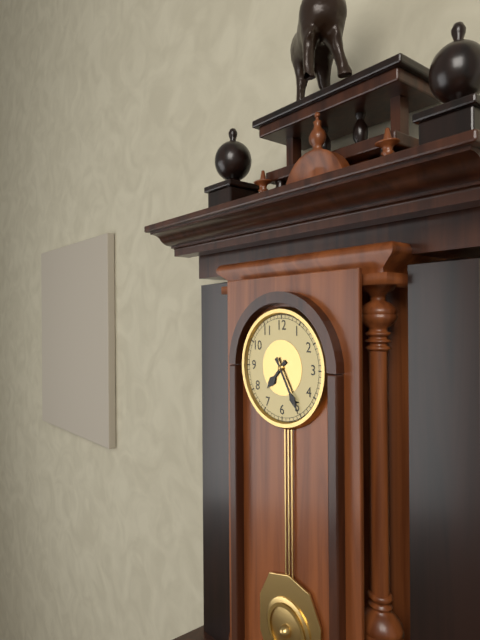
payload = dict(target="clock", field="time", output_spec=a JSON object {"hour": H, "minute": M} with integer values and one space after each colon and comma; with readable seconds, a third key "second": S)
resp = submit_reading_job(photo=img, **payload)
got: {"hour": 7, "minute": 25}
